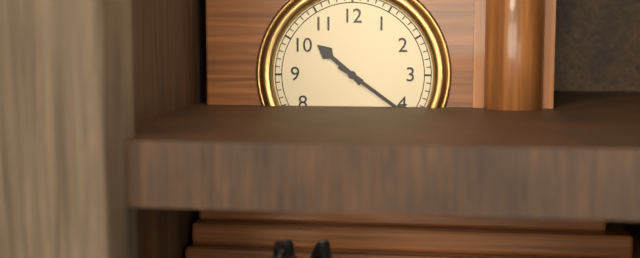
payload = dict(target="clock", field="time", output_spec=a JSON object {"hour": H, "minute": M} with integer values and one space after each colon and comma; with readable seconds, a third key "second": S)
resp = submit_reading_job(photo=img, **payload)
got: {"hour": 10, "minute": 21}
